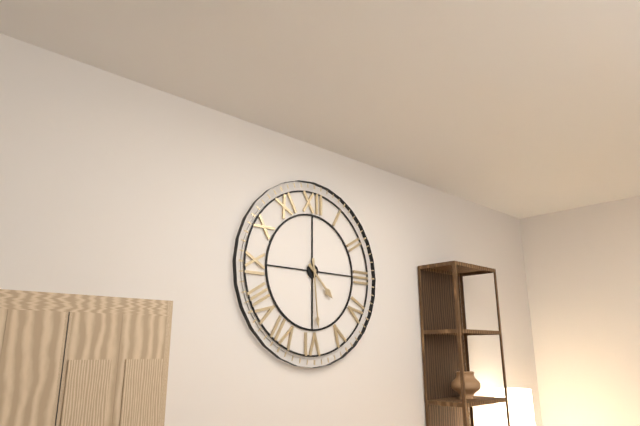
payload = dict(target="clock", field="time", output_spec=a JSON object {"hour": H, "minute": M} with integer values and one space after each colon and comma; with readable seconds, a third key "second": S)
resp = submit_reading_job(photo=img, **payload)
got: {"hour": 4, "minute": 29}
